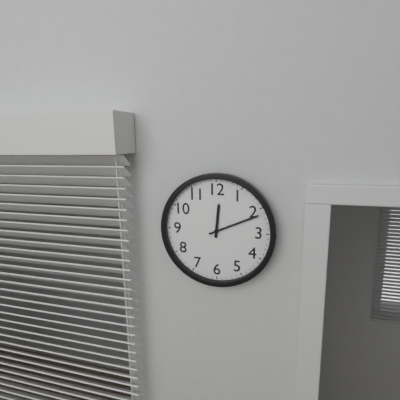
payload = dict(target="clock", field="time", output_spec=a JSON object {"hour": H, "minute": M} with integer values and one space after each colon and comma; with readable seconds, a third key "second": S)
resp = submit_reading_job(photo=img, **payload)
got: {"hour": 12, "minute": 11}
